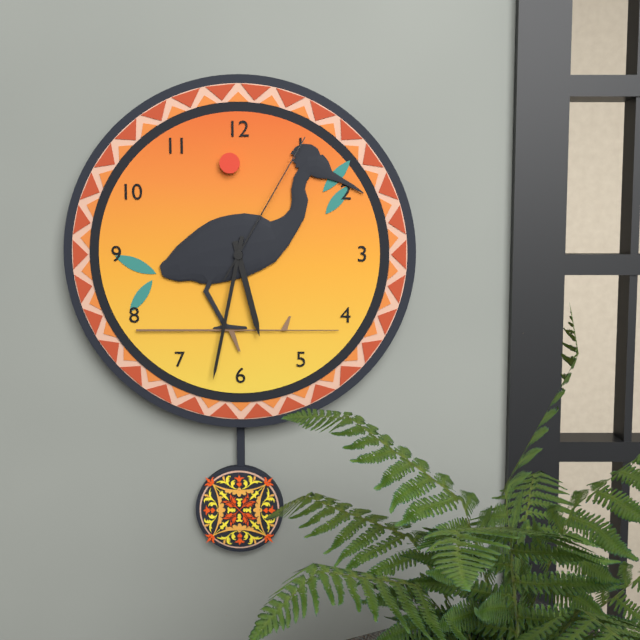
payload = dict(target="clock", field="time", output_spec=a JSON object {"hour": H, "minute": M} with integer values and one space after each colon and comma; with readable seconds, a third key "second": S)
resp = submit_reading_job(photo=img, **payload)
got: {"hour": 5, "minute": 32, "second": 5}
